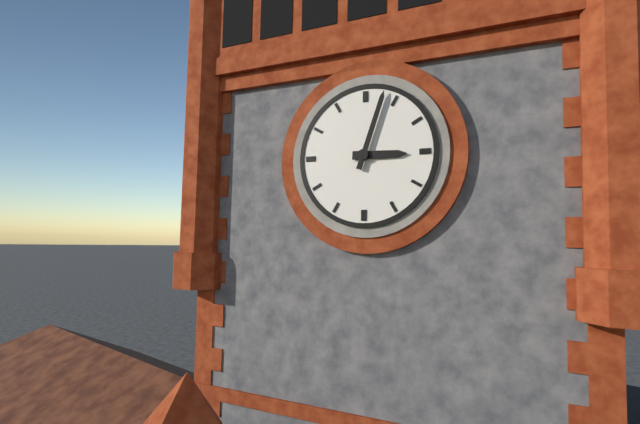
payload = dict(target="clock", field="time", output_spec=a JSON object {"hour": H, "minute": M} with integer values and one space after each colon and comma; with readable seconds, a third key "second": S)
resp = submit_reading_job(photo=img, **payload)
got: {"hour": 3, "minute": 3}
